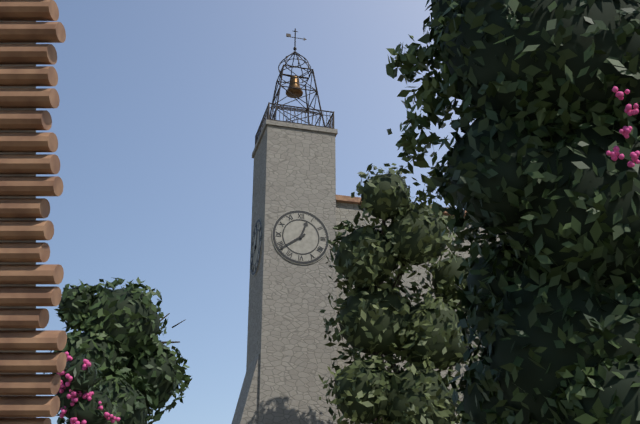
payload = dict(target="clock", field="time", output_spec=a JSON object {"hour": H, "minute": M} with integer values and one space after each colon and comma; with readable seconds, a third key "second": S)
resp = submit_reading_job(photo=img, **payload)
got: {"hour": 12, "minute": 39}
